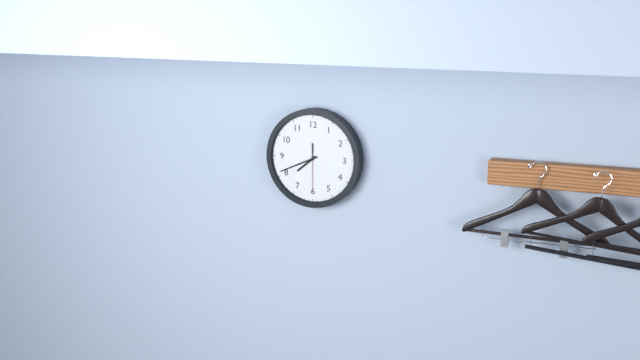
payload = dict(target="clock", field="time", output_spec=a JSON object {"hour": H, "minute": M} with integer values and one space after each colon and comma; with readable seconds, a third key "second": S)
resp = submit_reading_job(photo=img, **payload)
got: {"hour": 7, "minute": 41}
